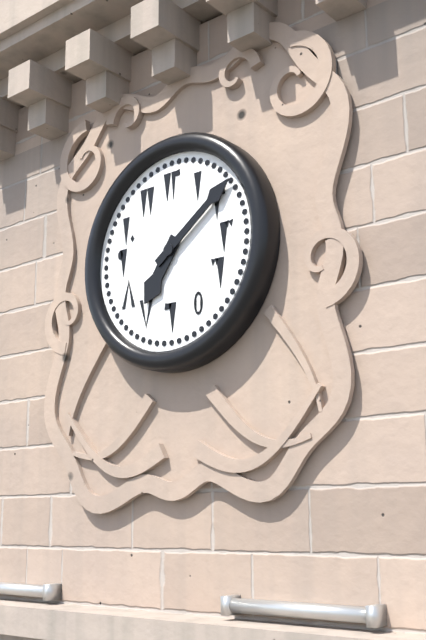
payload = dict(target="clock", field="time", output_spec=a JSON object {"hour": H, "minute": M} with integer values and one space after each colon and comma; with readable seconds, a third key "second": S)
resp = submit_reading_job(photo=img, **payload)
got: {"hour": 7, "minute": 9}
